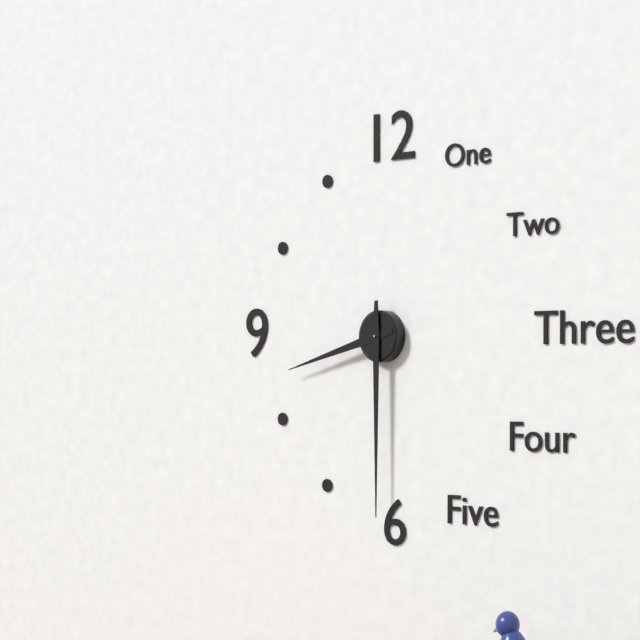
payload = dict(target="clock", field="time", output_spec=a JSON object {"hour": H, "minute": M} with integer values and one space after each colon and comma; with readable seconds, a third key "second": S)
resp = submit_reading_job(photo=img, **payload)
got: {"hour": 8, "minute": 30}
